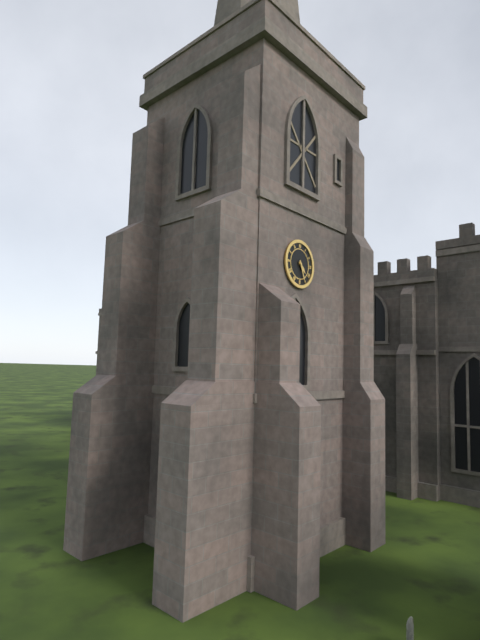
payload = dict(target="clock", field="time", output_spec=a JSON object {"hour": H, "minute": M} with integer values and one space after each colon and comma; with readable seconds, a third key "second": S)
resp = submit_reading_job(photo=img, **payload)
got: {"hour": 4, "minute": 26}
